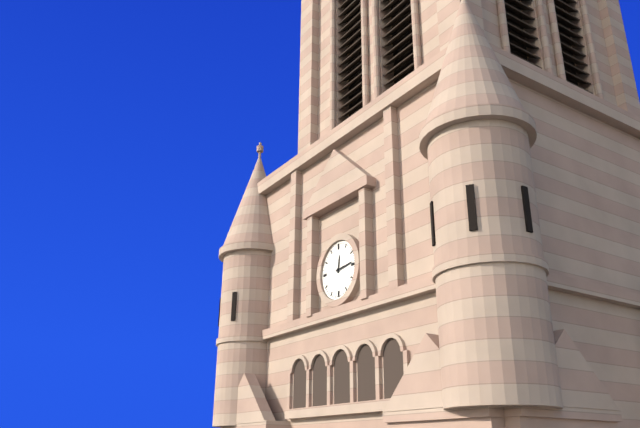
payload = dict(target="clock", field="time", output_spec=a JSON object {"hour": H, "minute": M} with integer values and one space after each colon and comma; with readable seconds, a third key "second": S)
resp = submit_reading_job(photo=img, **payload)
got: {"hour": 12, "minute": 14}
